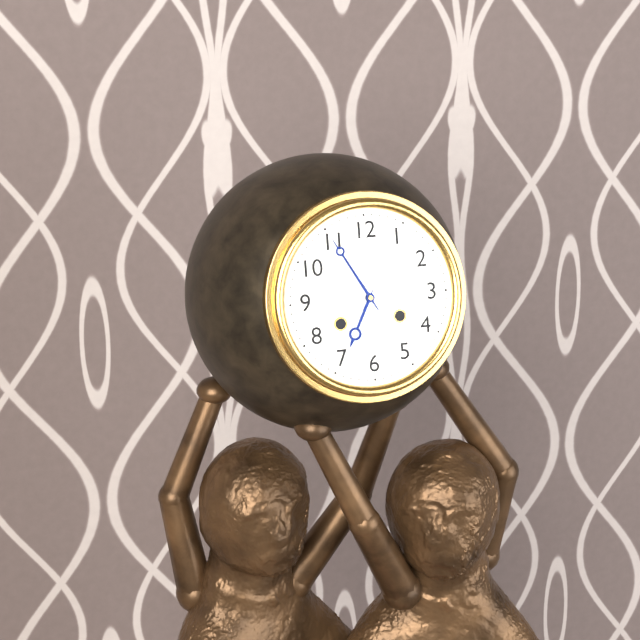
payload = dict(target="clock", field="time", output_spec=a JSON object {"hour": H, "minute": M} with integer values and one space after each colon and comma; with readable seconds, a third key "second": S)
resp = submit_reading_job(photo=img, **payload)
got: {"hour": 6, "minute": 55}
